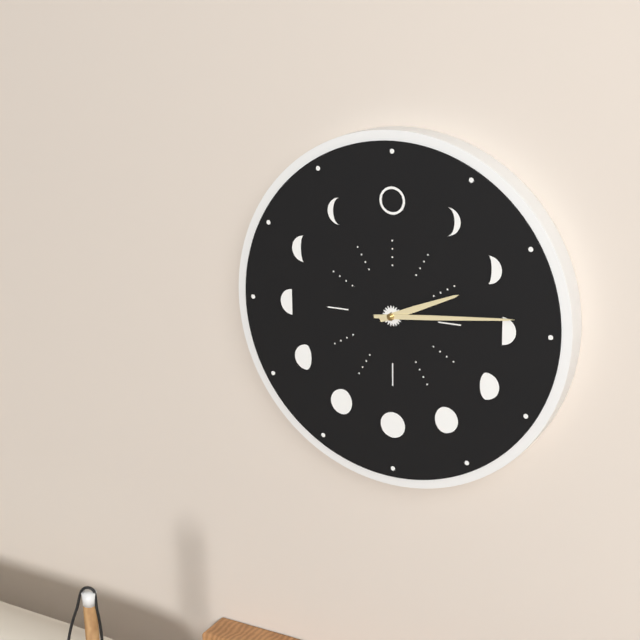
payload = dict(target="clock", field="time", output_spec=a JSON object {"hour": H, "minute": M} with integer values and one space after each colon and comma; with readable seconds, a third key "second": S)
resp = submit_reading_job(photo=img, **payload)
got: {"hour": 2, "minute": 14}
